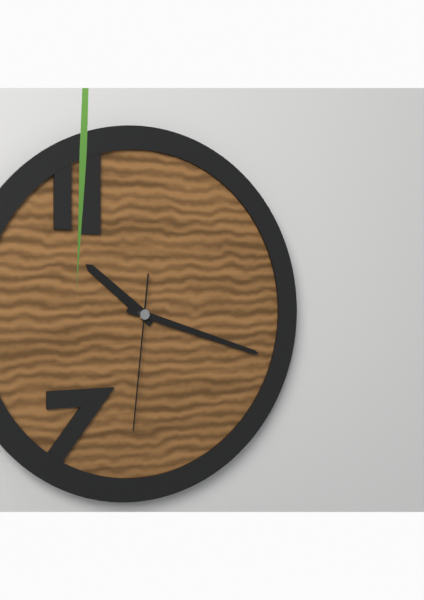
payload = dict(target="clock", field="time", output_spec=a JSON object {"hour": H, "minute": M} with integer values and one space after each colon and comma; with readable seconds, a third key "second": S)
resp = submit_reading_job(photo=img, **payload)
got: {"hour": 10, "minute": 18, "second": 31}
